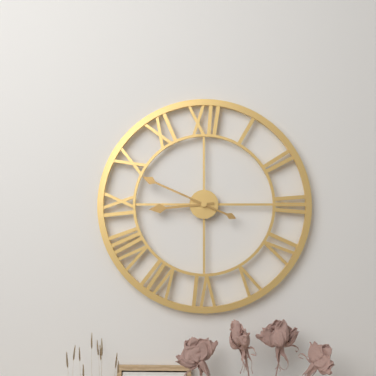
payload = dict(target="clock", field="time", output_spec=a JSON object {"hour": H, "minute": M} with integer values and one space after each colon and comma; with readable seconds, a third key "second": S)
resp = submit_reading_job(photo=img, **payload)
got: {"hour": 8, "minute": 49}
